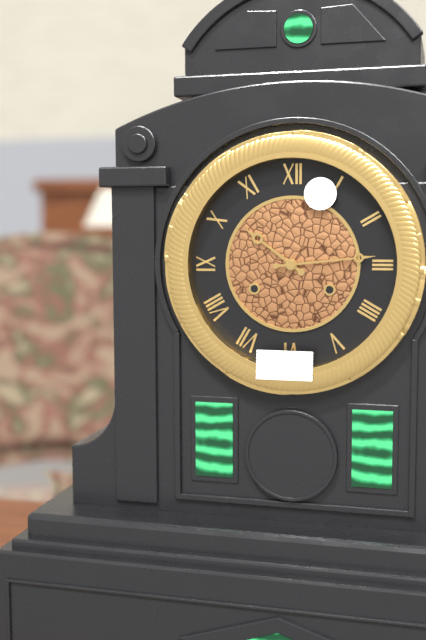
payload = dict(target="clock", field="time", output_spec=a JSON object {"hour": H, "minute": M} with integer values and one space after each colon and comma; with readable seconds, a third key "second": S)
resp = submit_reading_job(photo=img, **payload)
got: {"hour": 10, "minute": 14}
